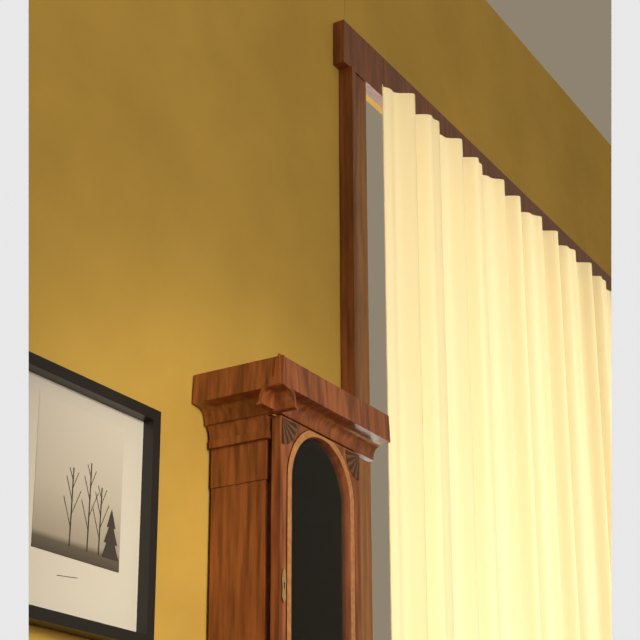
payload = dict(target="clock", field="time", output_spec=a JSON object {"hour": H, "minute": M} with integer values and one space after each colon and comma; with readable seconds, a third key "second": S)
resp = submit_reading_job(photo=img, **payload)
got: {"hour": 12, "minute": 42}
